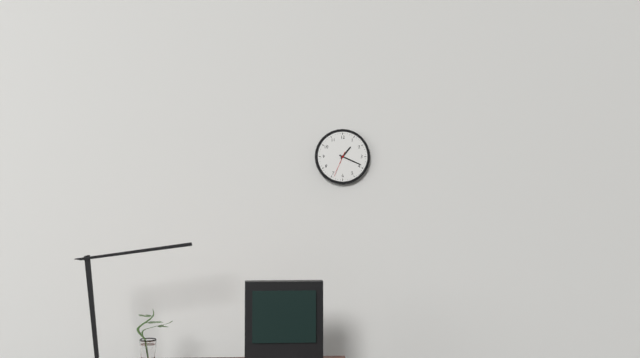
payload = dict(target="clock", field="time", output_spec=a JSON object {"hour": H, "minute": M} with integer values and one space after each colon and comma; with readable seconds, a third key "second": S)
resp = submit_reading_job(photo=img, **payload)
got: {"hour": 1, "minute": 19}
